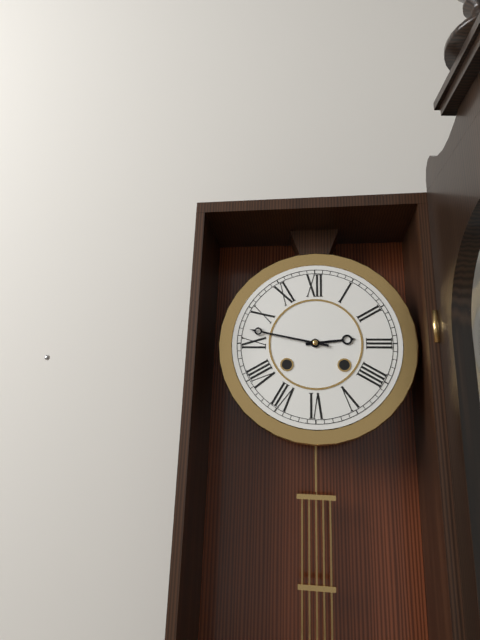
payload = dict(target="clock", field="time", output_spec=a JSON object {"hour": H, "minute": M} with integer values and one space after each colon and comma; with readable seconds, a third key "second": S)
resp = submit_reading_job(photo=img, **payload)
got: {"hour": 2, "minute": 47}
